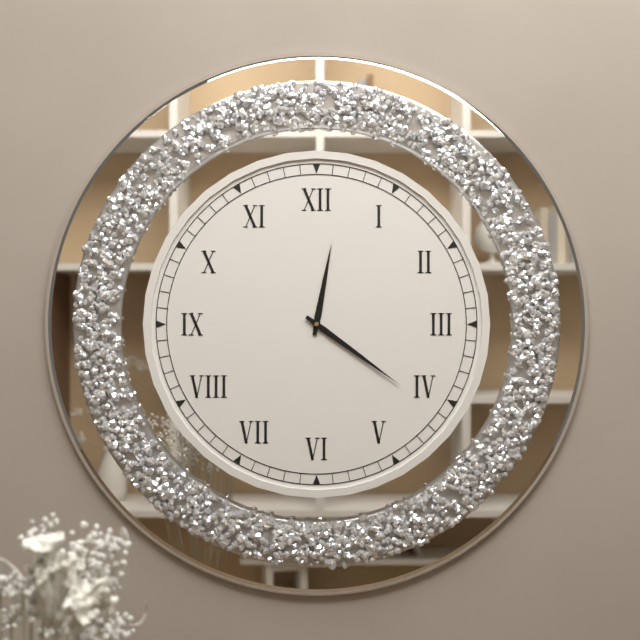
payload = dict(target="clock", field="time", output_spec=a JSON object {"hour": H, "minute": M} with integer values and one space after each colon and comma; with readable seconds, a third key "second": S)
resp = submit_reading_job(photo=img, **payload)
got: {"hour": 12, "minute": 21}
